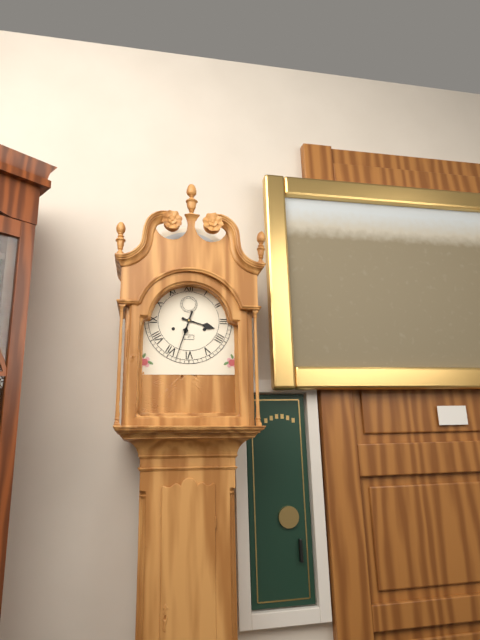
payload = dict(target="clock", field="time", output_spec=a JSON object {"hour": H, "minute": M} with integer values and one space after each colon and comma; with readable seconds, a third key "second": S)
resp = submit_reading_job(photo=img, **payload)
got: {"hour": 3, "minute": 33}
